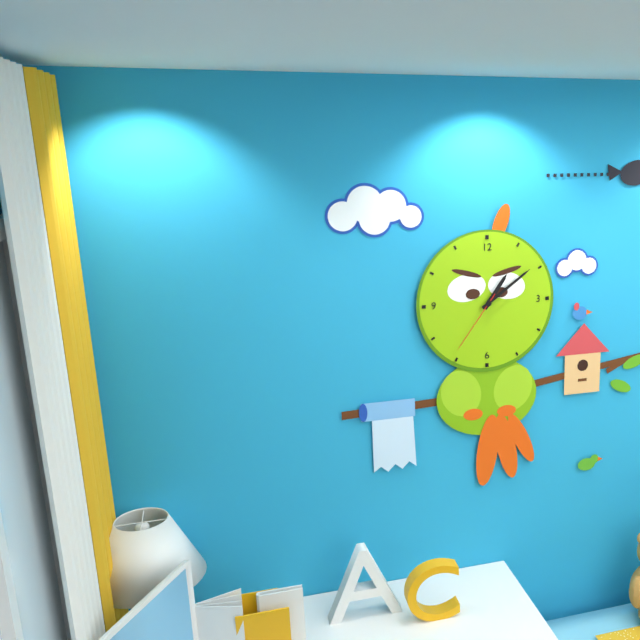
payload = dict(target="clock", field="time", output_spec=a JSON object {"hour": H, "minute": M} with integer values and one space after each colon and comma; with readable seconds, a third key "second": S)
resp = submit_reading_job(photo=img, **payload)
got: {"hour": 1, "minute": 9, "second": 36}
